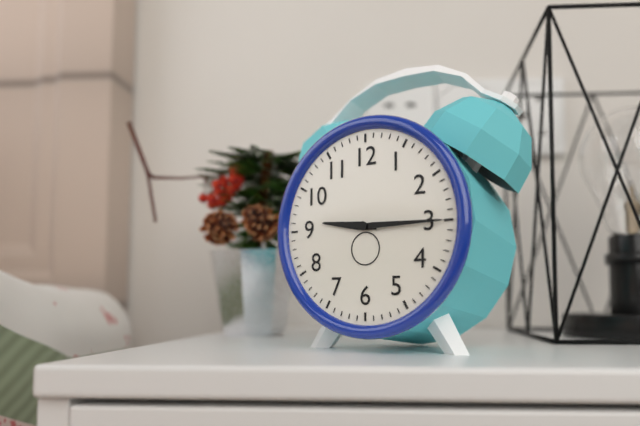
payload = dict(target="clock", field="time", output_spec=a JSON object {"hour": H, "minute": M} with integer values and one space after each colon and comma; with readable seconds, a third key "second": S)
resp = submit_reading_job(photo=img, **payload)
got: {"hour": 9, "minute": 15}
